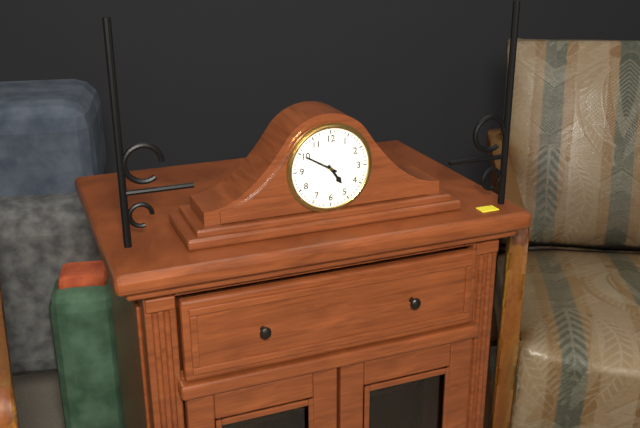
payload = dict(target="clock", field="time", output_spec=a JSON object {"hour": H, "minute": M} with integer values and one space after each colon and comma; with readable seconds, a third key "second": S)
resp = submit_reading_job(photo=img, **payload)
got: {"hour": 4, "minute": 50}
